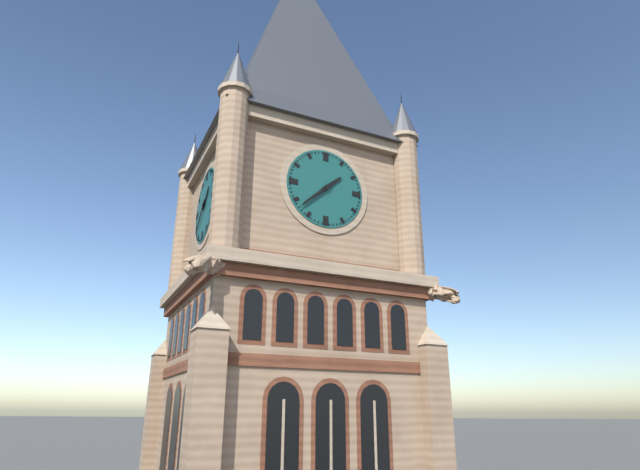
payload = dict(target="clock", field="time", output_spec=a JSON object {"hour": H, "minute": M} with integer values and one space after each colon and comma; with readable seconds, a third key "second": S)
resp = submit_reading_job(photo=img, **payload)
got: {"hour": 1, "minute": 38}
